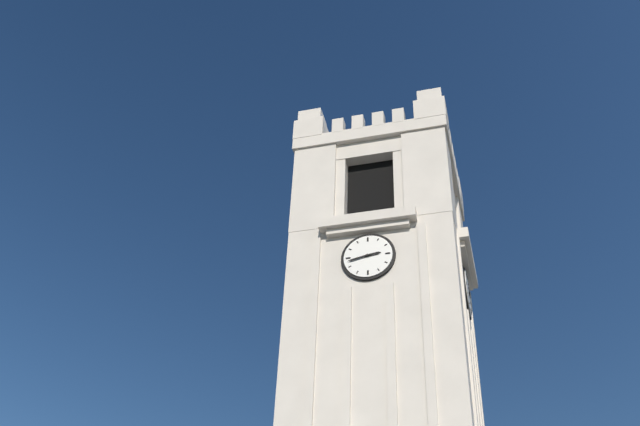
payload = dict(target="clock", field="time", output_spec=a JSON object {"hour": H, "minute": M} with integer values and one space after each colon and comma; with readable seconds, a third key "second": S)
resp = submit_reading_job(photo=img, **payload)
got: {"hour": 2, "minute": 43}
